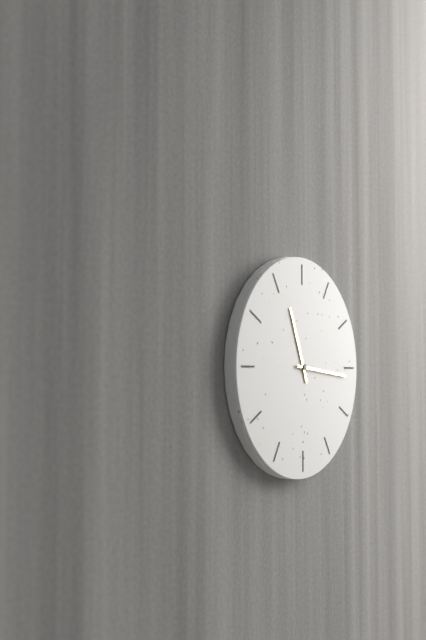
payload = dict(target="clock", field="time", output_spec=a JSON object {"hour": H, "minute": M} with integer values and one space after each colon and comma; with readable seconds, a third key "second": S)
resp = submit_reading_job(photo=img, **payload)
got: {"hour": 11, "minute": 16}
